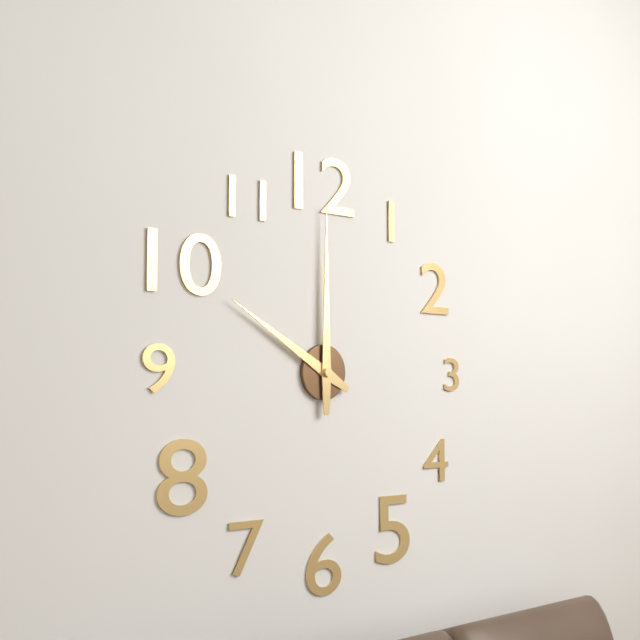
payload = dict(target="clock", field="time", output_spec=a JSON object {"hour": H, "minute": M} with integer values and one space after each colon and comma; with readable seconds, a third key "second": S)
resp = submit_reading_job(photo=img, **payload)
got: {"hour": 10, "minute": 0}
